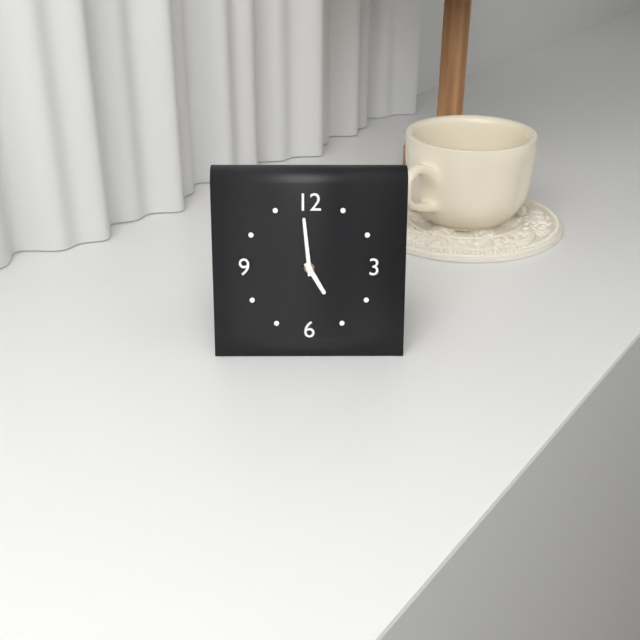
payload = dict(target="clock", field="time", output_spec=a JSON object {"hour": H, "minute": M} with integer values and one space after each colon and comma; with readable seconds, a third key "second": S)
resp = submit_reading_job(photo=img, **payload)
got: {"hour": 4, "minute": 59}
